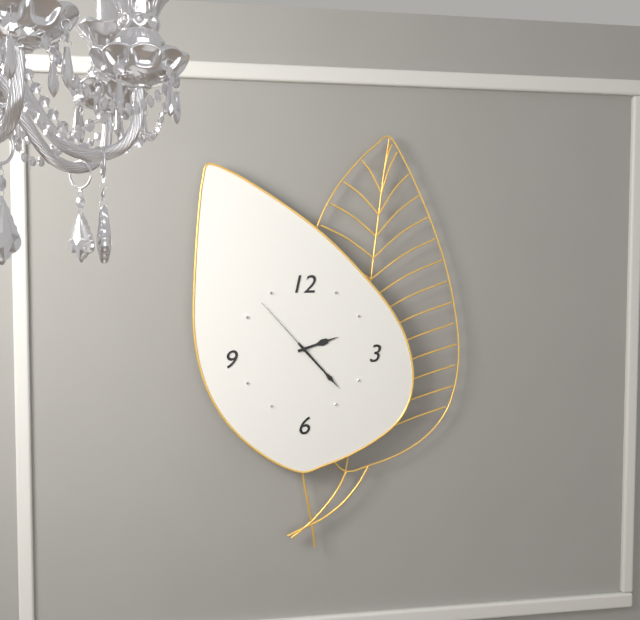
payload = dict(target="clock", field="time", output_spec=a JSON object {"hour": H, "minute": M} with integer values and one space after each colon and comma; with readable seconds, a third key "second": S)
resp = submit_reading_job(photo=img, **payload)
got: {"hour": 2, "minute": 23, "second": 53}
